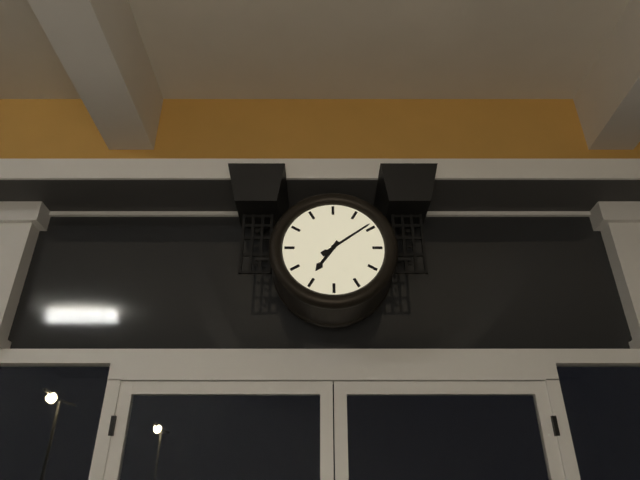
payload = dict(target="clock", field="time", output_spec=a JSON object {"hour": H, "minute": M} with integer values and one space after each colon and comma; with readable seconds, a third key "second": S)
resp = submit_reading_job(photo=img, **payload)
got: {"hour": 7, "minute": 9}
